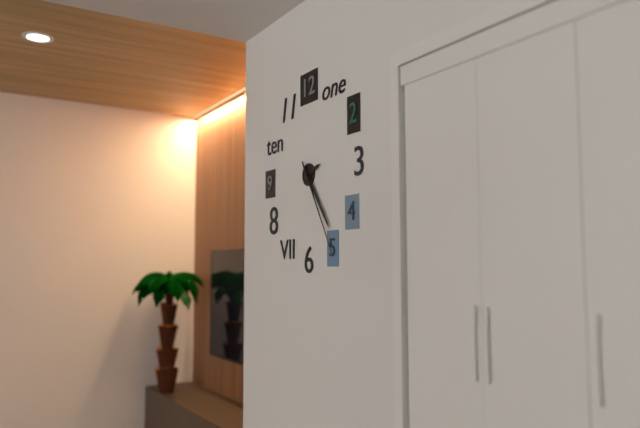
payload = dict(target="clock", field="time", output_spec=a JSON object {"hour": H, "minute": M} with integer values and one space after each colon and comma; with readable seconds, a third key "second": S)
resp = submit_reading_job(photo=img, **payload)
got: {"hour": 2, "minute": 24, "second": 25}
